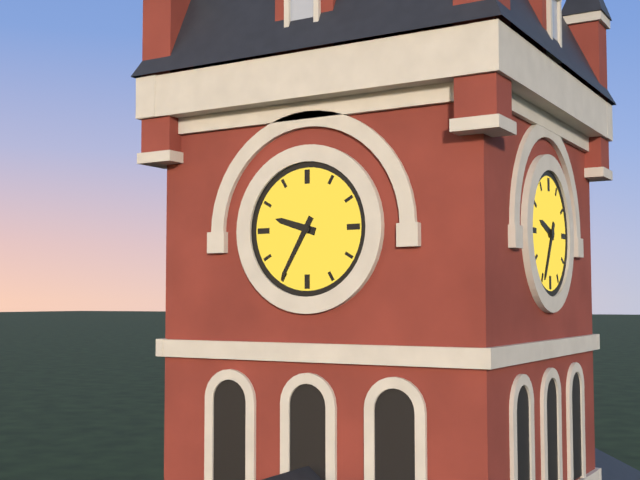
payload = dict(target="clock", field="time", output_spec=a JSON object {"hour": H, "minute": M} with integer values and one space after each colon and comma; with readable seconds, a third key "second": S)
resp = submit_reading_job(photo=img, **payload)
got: {"hour": 9, "minute": 35}
